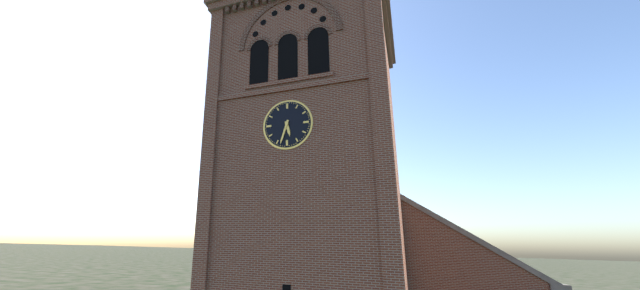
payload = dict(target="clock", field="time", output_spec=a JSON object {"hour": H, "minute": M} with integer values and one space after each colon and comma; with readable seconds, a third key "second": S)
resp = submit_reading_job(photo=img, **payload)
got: {"hour": 5, "minute": 33}
